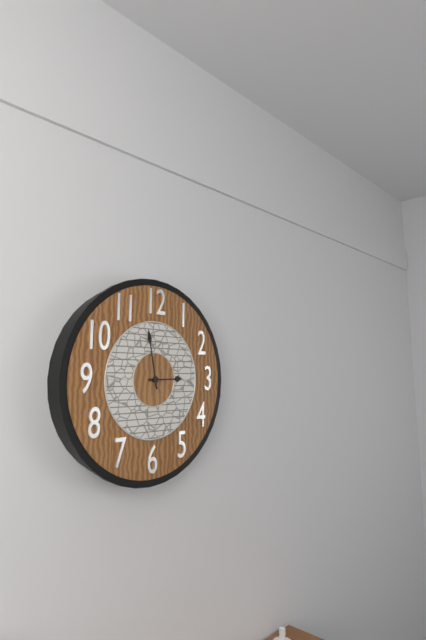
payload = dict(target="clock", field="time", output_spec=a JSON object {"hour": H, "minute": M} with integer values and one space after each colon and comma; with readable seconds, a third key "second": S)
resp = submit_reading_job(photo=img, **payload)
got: {"hour": 2, "minute": 58}
